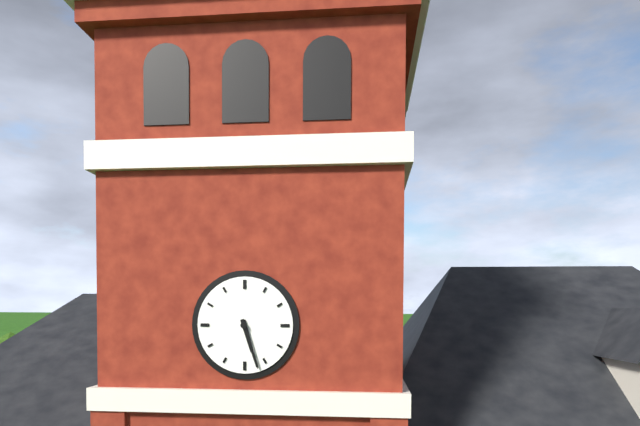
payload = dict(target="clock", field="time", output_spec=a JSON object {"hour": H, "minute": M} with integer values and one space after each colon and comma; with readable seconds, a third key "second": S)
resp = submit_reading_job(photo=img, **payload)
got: {"hour": 5, "minute": 27}
